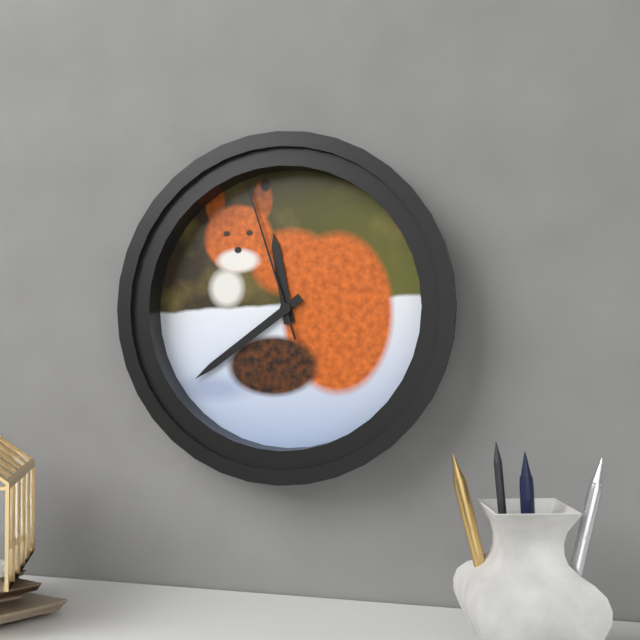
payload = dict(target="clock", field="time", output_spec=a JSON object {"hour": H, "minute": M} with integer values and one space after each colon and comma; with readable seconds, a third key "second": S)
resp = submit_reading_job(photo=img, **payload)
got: {"hour": 11, "minute": 39, "second": 57}
